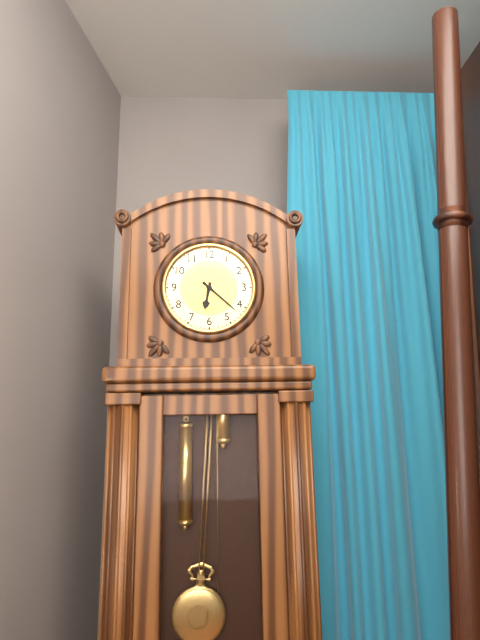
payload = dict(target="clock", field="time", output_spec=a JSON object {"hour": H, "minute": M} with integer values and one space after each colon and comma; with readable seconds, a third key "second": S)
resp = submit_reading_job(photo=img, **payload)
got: {"hour": 6, "minute": 22}
